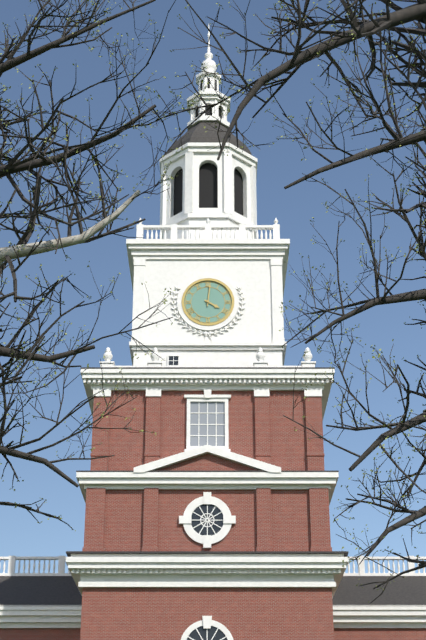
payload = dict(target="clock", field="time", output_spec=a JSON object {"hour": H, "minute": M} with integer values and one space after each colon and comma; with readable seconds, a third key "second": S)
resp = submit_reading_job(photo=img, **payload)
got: {"hour": 4, "minute": 1}
